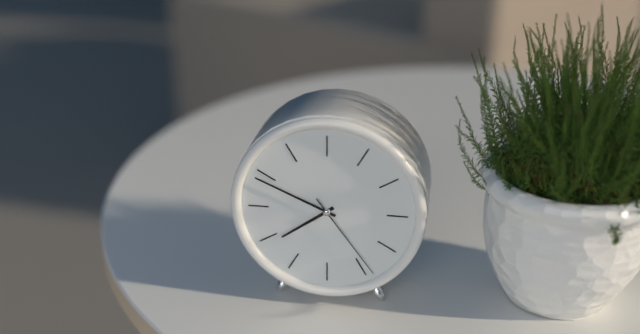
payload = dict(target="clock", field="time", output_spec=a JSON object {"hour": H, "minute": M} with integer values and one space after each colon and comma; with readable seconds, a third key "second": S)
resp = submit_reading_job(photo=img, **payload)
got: {"hour": 7, "minute": 49, "second": 24}
